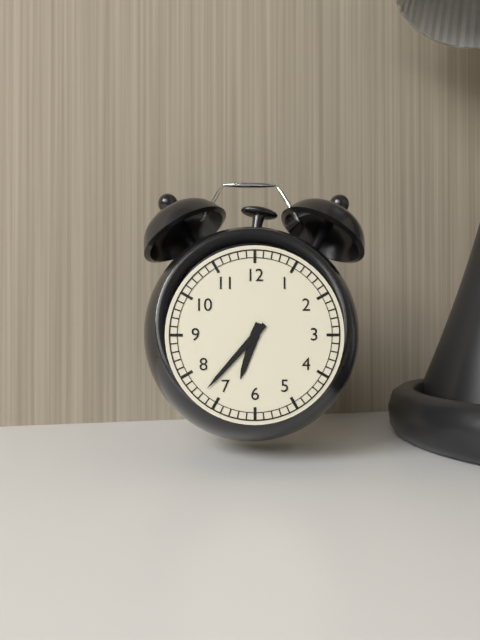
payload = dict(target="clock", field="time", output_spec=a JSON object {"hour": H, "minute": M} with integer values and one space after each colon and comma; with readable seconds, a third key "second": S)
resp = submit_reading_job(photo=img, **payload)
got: {"hour": 6, "minute": 37}
